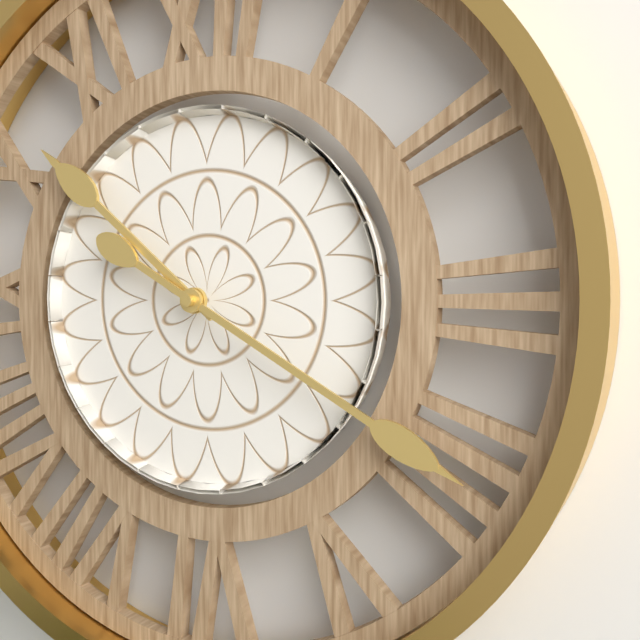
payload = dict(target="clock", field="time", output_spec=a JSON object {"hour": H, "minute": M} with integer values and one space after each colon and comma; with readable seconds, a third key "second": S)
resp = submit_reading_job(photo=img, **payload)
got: {"hour": 10, "minute": 20}
